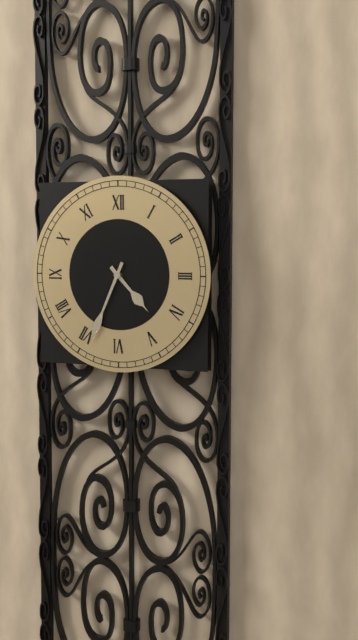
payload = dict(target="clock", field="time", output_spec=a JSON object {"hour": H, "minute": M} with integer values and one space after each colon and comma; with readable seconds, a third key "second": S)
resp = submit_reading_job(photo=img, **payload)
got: {"hour": 4, "minute": 34}
